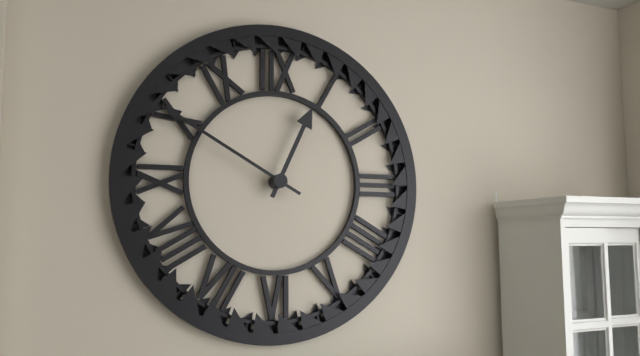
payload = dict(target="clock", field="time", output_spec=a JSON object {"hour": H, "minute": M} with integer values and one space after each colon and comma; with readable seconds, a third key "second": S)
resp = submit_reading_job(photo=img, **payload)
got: {"hour": 12, "minute": 50}
